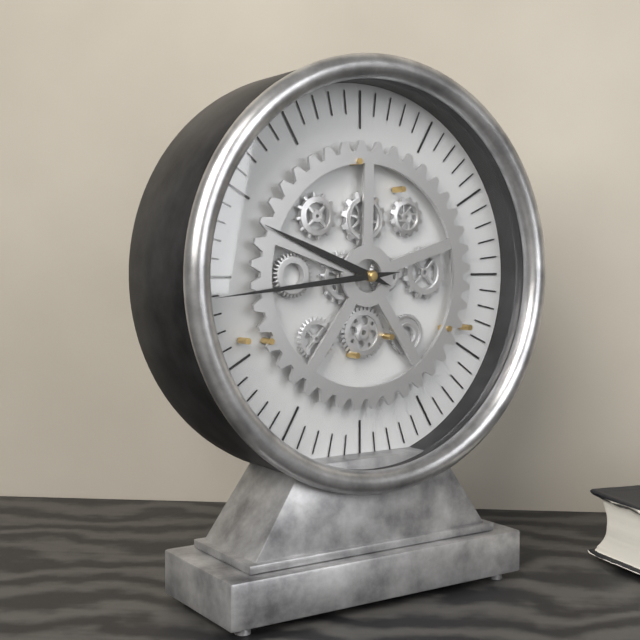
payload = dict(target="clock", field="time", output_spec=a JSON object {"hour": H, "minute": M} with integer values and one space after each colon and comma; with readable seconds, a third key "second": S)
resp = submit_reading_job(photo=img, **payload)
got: {"hour": 9, "minute": 44}
